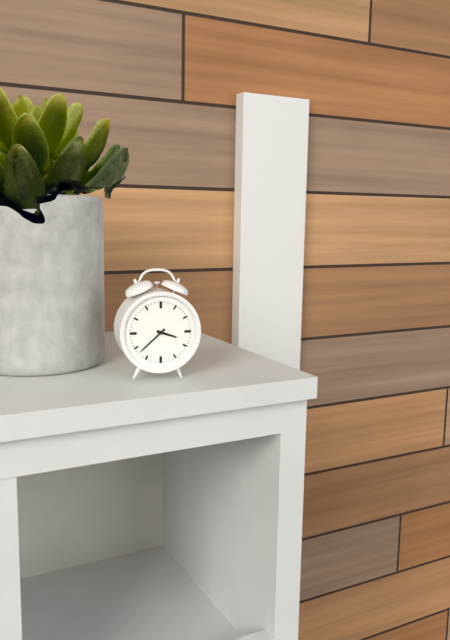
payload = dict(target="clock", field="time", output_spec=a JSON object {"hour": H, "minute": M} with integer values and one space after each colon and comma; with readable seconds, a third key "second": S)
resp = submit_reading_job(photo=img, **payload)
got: {"hour": 3, "minute": 38}
